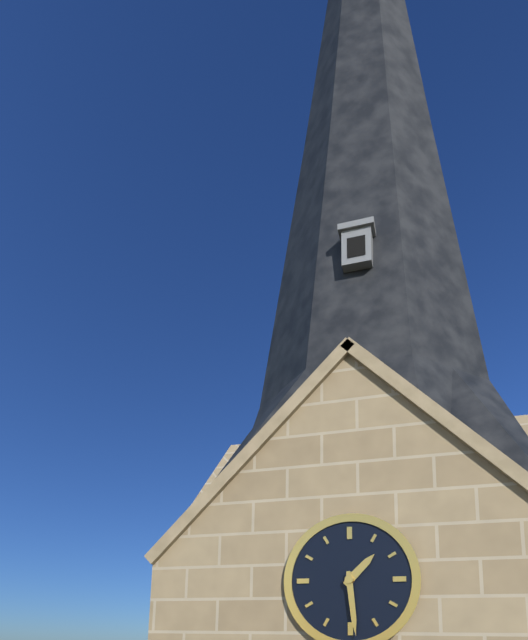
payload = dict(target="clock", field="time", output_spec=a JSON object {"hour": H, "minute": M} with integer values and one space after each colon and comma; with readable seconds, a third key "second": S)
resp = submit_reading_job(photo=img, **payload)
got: {"hour": 1, "minute": 29}
